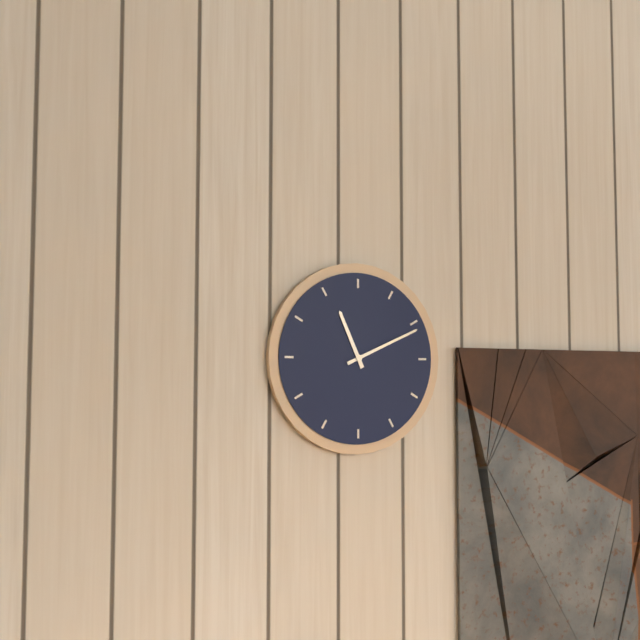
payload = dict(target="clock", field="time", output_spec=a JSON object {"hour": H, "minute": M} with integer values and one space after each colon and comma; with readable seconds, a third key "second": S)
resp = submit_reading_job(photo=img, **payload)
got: {"hour": 11, "minute": 11}
